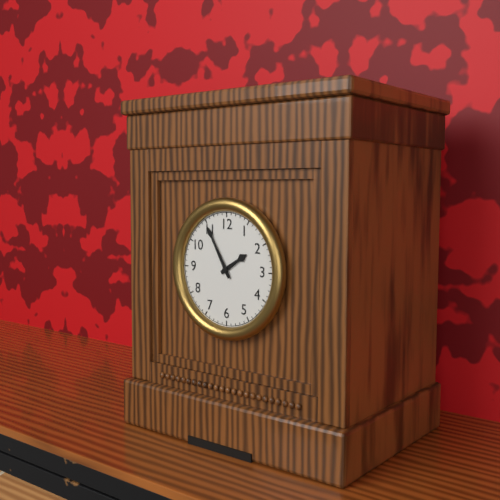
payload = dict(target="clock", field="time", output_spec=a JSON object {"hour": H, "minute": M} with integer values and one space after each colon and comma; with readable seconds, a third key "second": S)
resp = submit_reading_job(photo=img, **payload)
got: {"hour": 1, "minute": 55}
